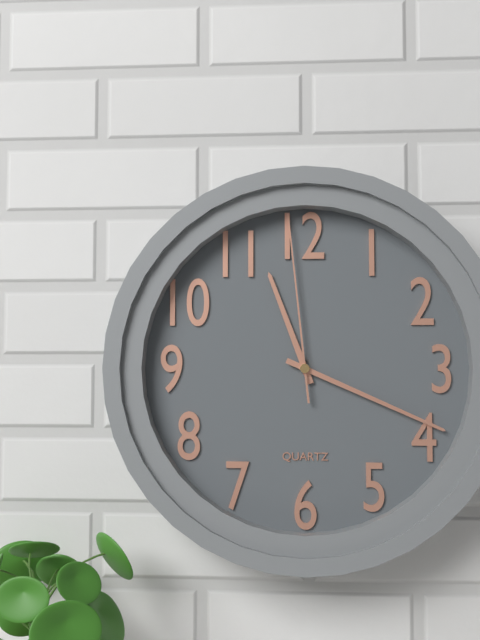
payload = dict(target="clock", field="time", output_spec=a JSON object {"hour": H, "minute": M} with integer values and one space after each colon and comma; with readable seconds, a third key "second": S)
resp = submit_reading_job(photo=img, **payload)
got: {"hour": 11, "minute": 19, "second": 59}
